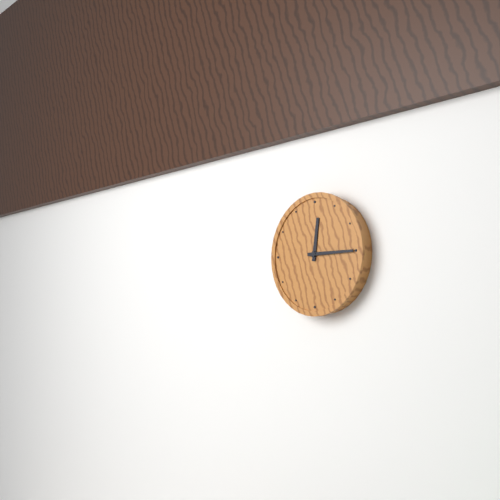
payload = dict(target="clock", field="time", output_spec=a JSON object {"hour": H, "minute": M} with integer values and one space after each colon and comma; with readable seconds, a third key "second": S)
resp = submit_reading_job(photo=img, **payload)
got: {"hour": 12, "minute": 15}
